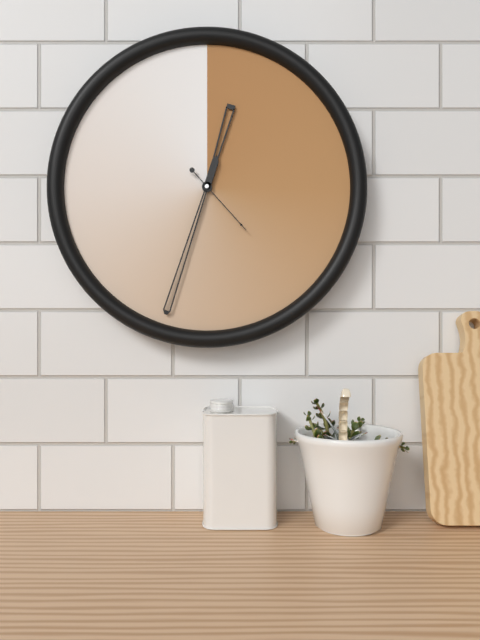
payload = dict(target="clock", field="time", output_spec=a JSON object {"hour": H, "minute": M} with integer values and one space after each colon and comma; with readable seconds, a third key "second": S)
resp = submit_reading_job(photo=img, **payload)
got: {"hour": 12, "minute": 33, "second": 23}
